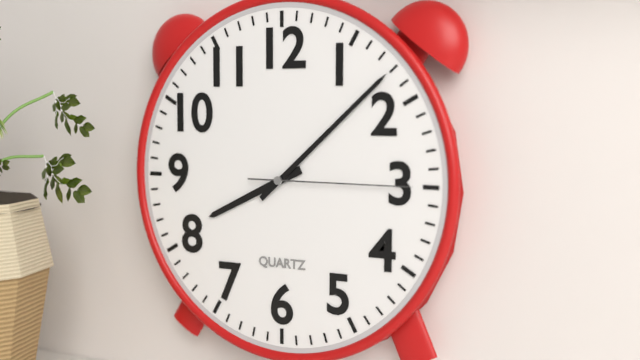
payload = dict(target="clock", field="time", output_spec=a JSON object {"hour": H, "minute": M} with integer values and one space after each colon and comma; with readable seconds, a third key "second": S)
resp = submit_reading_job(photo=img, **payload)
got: {"hour": 8, "minute": 8, "second": 15}
